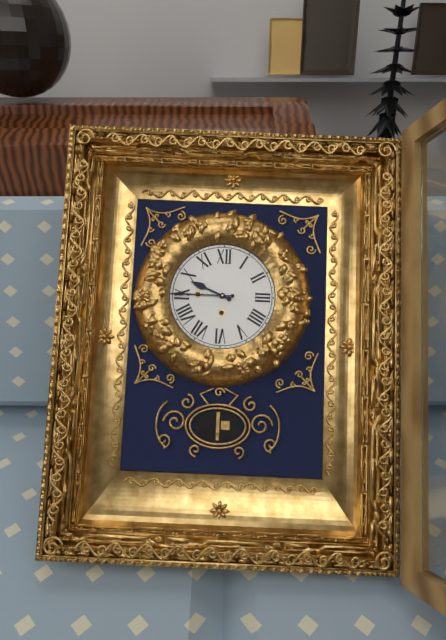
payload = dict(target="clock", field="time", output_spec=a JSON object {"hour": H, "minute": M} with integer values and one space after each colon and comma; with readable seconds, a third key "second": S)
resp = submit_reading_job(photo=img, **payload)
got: {"hour": 9, "minute": 45}
